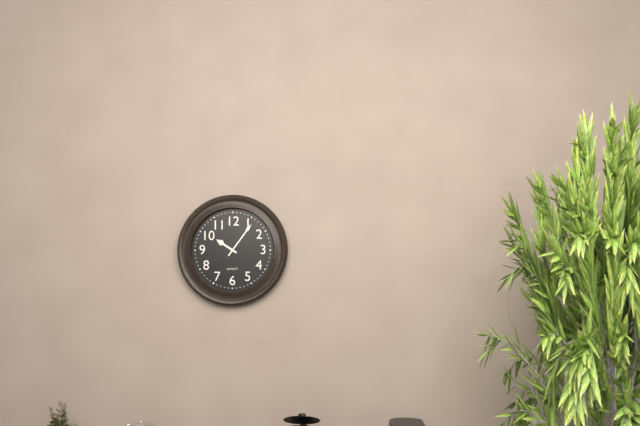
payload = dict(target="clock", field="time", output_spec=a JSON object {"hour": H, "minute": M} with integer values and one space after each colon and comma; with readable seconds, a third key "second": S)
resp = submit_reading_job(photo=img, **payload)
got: {"hour": 10, "minute": 6}
